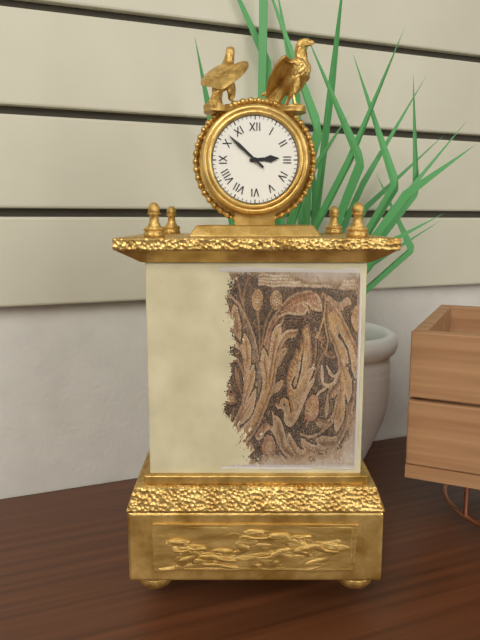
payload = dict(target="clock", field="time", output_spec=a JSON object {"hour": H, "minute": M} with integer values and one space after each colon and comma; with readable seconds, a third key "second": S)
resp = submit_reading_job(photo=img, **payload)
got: {"hour": 2, "minute": 52}
